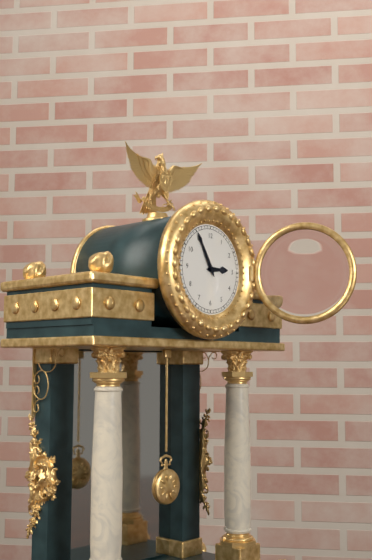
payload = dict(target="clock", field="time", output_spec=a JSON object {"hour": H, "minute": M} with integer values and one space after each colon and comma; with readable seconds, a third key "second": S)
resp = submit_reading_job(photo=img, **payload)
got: {"hour": 2, "minute": 55}
